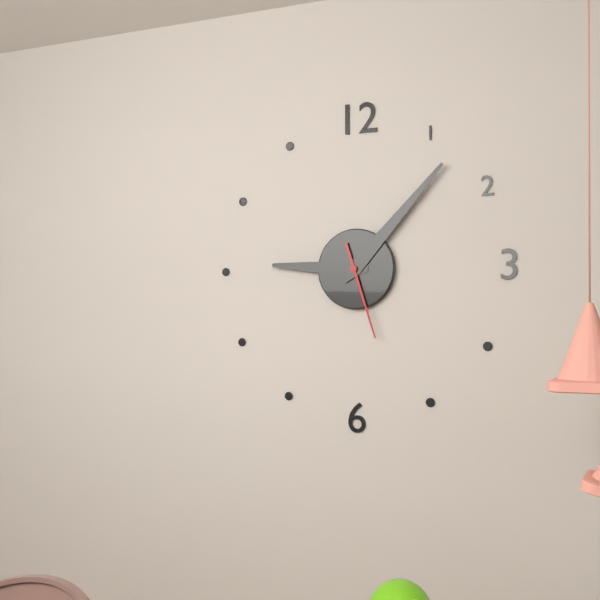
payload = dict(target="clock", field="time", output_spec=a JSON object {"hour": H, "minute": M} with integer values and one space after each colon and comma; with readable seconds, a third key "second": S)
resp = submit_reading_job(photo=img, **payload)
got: {"hour": 9, "minute": 7, "second": 27}
